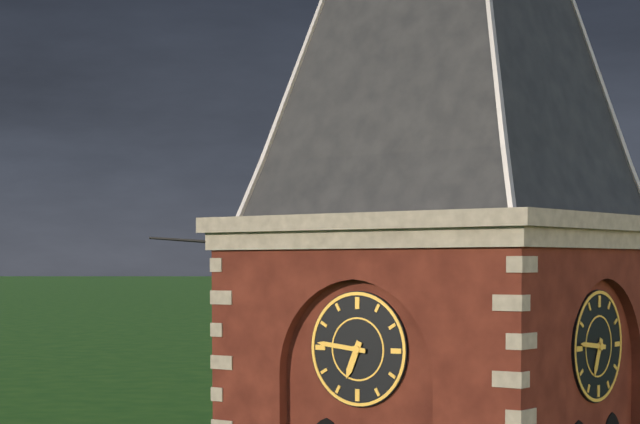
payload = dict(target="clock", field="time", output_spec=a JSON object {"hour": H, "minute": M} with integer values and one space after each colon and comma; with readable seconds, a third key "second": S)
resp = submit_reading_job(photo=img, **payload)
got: {"hour": 6, "minute": 46}
